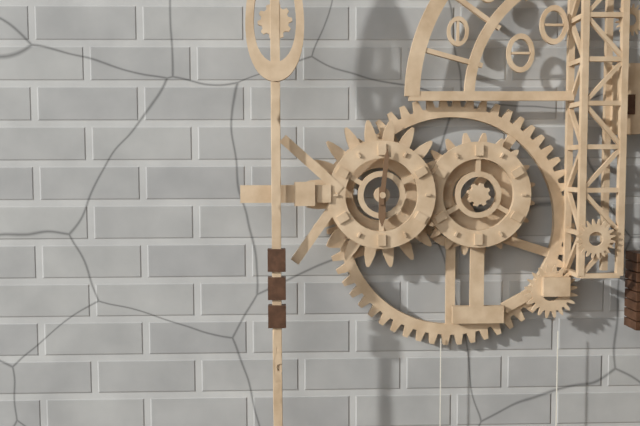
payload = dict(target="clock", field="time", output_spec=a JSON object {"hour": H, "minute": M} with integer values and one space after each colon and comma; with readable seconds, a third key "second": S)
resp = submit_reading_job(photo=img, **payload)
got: {"hour": 6, "minute": 1}
